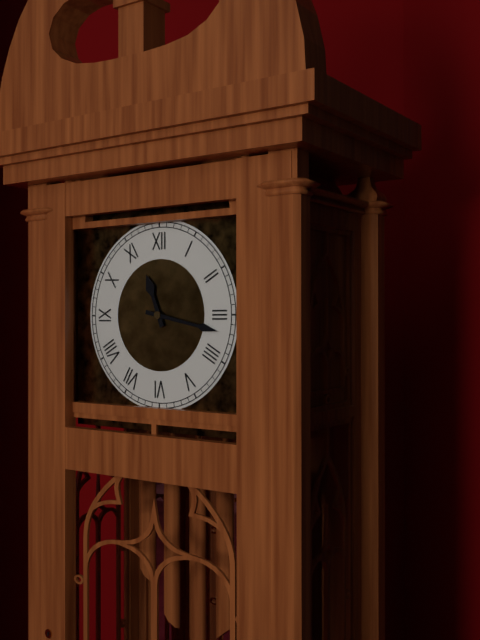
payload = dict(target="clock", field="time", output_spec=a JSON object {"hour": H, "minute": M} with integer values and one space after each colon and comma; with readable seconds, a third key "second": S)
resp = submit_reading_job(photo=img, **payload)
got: {"hour": 11, "minute": 17}
